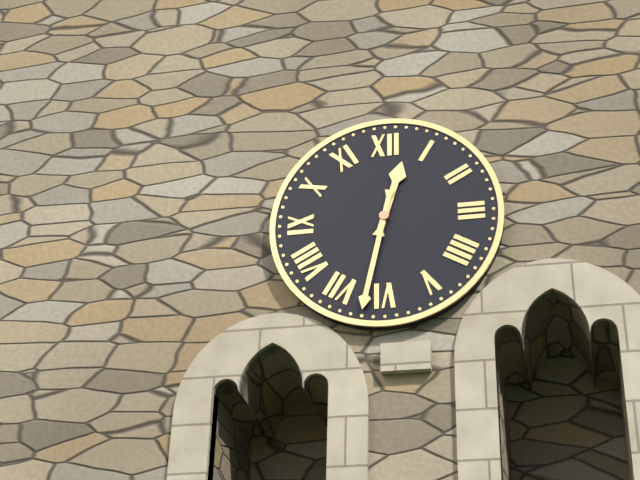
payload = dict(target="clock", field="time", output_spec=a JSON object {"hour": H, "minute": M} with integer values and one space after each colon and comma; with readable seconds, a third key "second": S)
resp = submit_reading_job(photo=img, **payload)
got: {"hour": 12, "minute": 32}
